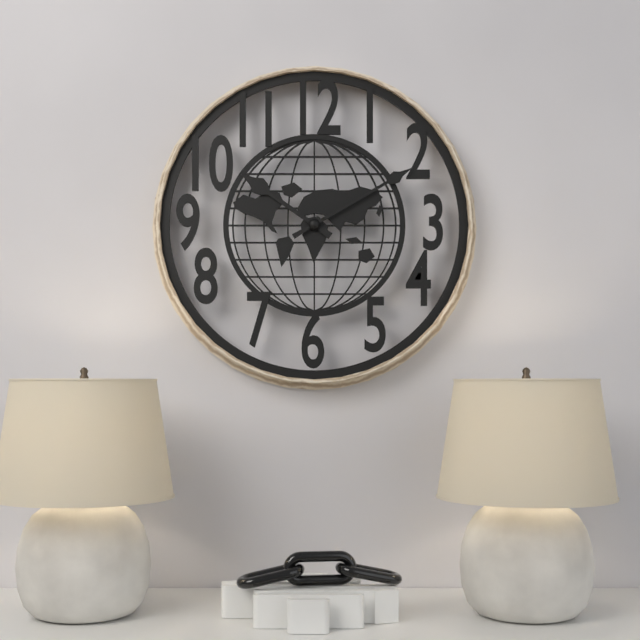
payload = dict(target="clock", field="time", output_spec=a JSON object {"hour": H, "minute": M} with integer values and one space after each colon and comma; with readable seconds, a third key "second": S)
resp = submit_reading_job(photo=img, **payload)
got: {"hour": 10, "minute": 10}
